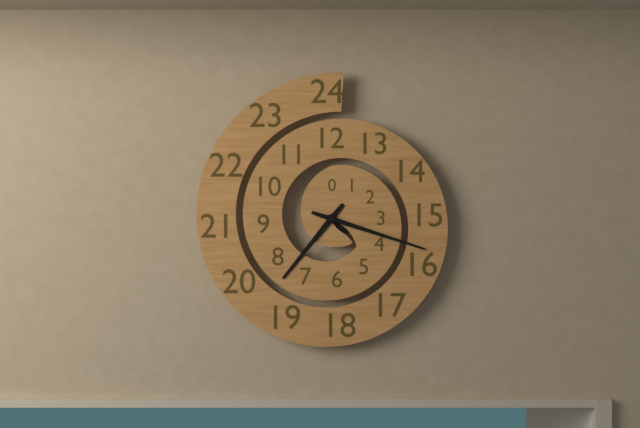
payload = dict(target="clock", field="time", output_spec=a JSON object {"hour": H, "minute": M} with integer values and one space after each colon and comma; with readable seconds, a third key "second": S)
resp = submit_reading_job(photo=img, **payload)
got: {"hour": 7, "minute": 18}
